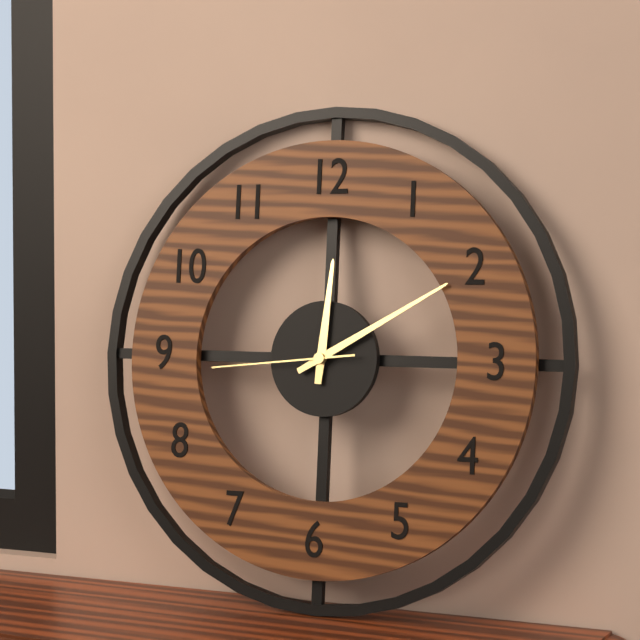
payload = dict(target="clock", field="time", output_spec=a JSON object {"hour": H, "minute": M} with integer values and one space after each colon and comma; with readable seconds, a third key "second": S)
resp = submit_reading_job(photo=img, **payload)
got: {"hour": 12, "minute": 10, "second": 44}
